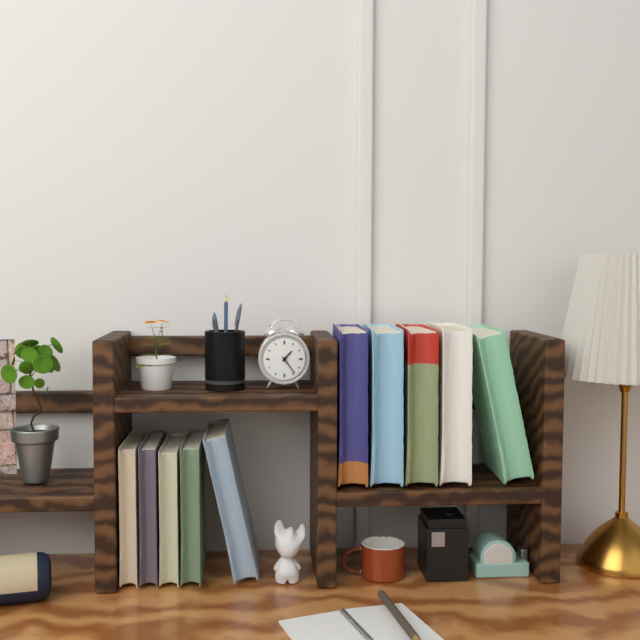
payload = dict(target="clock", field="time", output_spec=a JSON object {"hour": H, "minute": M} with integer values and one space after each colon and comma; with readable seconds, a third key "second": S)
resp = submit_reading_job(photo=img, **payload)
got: {"hour": 1, "minute": 24}
